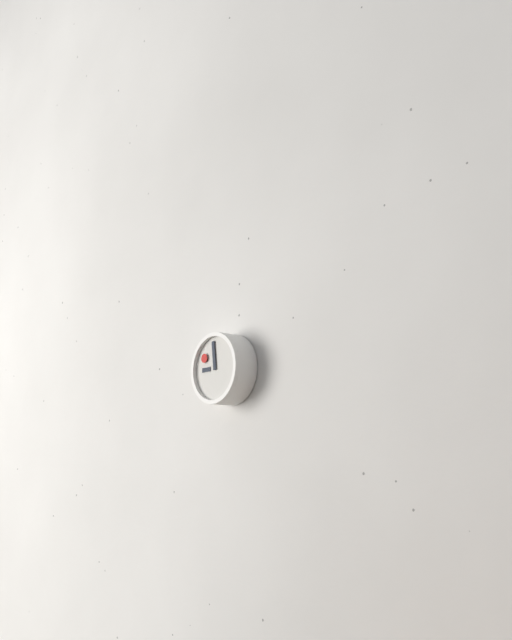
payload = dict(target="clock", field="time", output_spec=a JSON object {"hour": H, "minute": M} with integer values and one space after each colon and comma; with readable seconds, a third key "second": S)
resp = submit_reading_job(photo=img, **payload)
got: {"hour": 8, "minute": 59}
